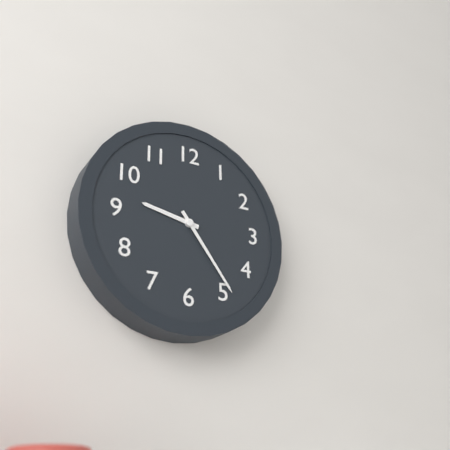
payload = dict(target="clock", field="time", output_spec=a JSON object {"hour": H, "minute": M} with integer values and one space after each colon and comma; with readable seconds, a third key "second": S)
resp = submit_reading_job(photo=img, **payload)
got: {"hour": 9, "minute": 24}
